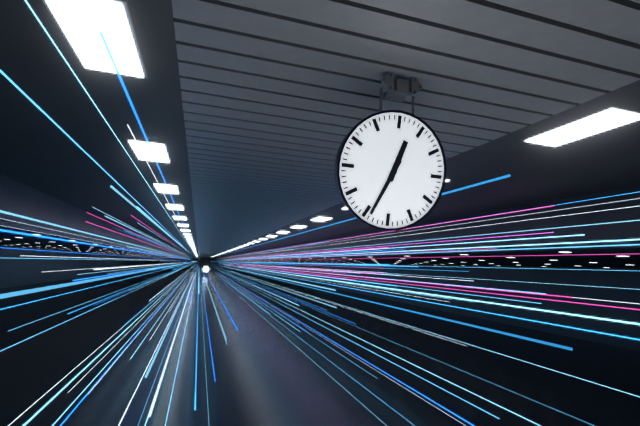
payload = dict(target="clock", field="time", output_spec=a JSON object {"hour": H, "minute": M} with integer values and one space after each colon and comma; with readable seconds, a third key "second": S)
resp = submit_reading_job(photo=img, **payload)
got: {"hour": 12, "minute": 34}
